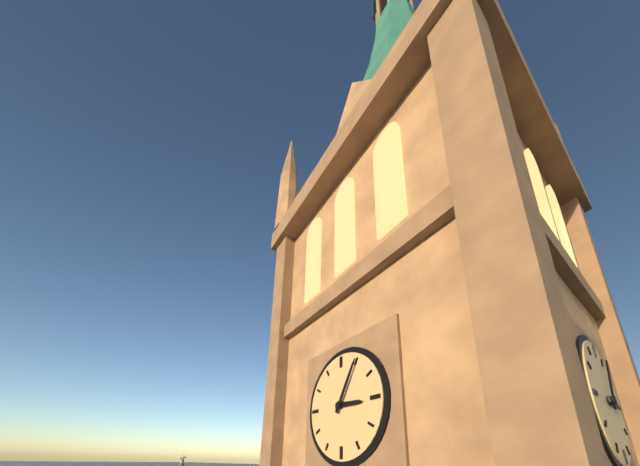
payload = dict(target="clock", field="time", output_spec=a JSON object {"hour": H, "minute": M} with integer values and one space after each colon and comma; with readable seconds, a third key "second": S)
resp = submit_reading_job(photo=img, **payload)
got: {"hour": 3, "minute": 5}
